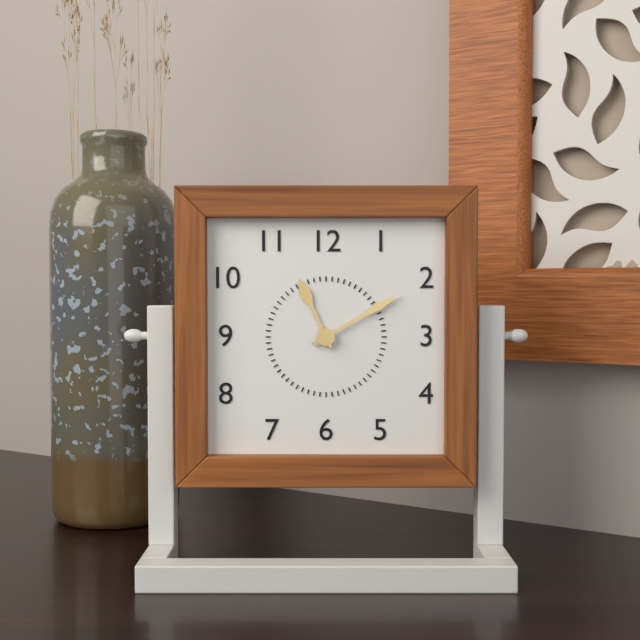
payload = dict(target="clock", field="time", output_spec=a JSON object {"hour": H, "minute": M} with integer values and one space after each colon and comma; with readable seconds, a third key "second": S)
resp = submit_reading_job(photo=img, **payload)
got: {"hour": 11, "minute": 10}
